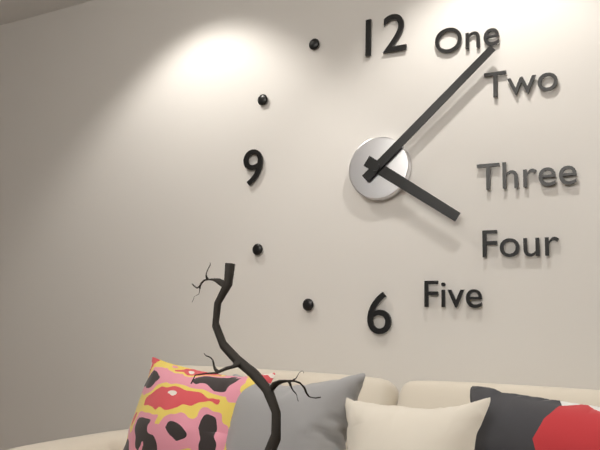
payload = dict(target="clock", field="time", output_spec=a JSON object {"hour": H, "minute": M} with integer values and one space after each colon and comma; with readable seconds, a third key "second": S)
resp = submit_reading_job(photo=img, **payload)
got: {"hour": 4, "minute": 8}
